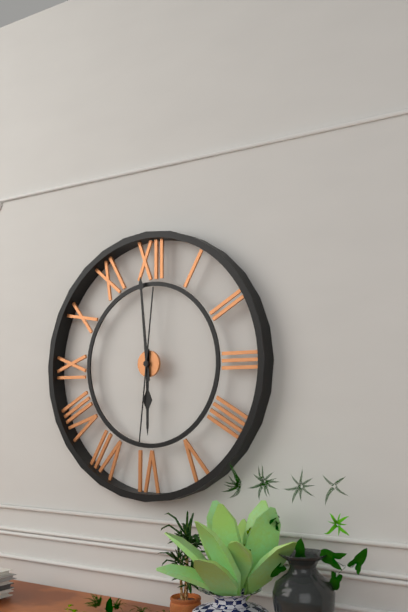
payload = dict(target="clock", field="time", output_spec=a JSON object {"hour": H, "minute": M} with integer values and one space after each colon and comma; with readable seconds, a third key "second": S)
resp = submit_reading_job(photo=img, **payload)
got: {"hour": 5, "minute": 59, "second": 31}
